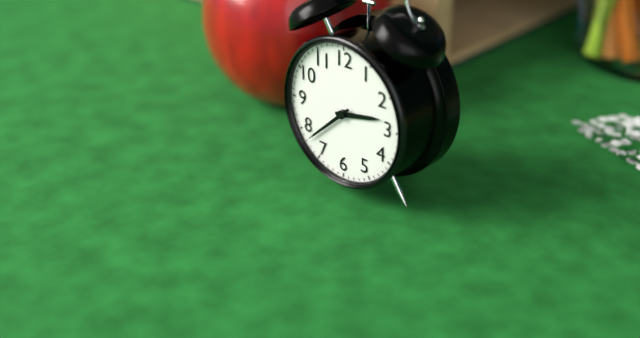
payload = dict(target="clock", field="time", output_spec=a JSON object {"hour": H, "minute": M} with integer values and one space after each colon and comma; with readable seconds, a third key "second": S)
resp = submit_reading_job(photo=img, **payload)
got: {"hour": 2, "minute": 38}
